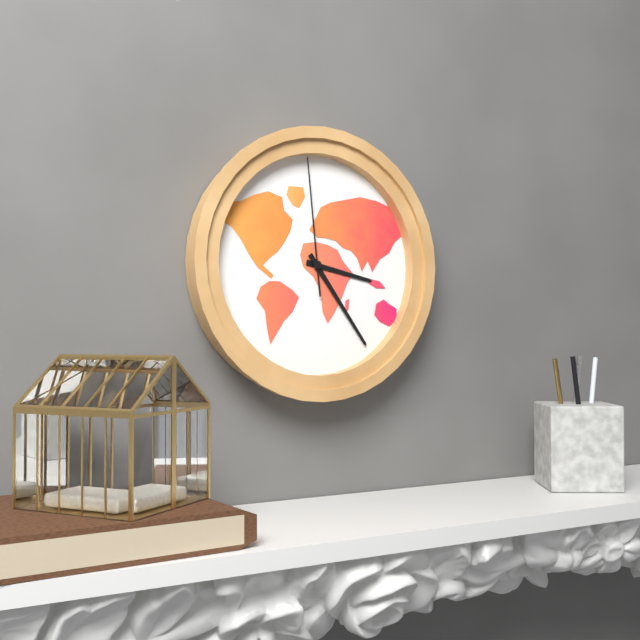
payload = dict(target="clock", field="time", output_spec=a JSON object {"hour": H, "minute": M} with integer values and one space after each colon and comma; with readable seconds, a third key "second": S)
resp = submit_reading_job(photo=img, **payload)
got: {"hour": 3, "minute": 24, "second": 59}
